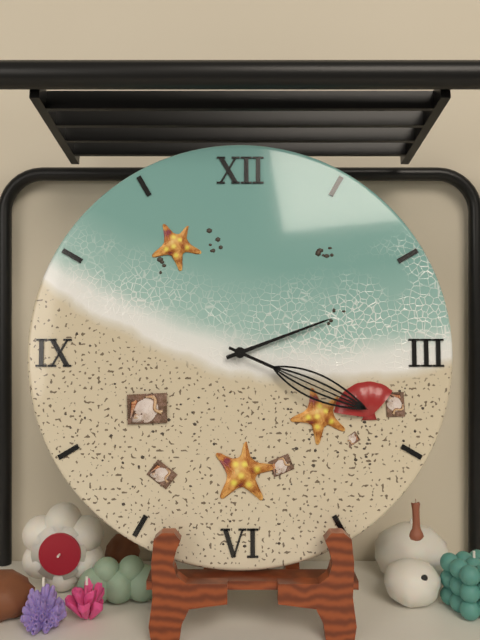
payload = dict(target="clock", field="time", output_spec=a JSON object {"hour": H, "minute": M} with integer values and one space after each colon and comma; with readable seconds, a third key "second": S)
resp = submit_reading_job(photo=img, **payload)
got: {"hour": 2, "minute": 19}
